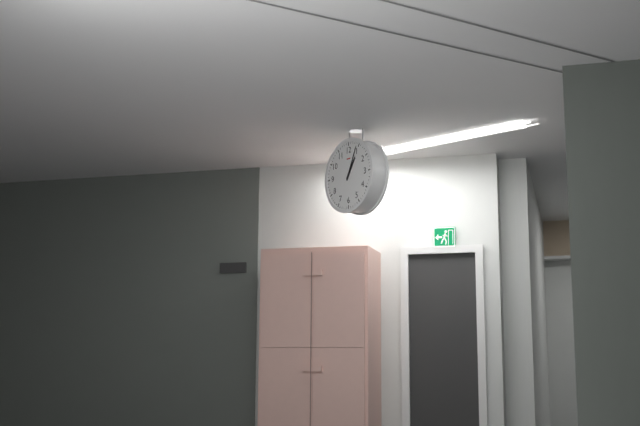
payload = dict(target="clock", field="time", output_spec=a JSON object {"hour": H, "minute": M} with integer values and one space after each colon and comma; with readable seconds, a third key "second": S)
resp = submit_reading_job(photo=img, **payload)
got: {"hour": 1, "minute": 4}
